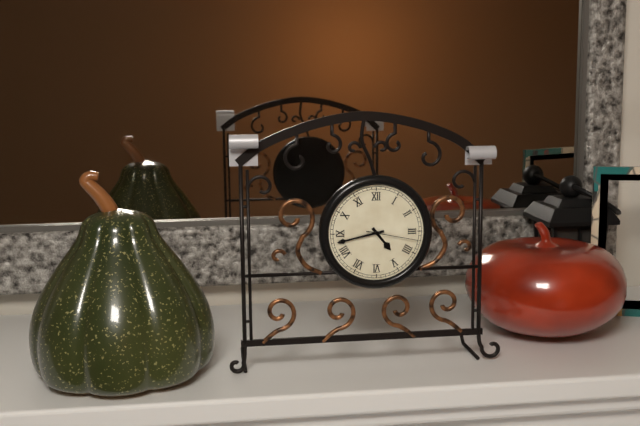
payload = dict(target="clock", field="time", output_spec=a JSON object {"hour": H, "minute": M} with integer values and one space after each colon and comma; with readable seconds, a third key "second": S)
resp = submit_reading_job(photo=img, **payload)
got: {"hour": 4, "minute": 43, "second": 17}
